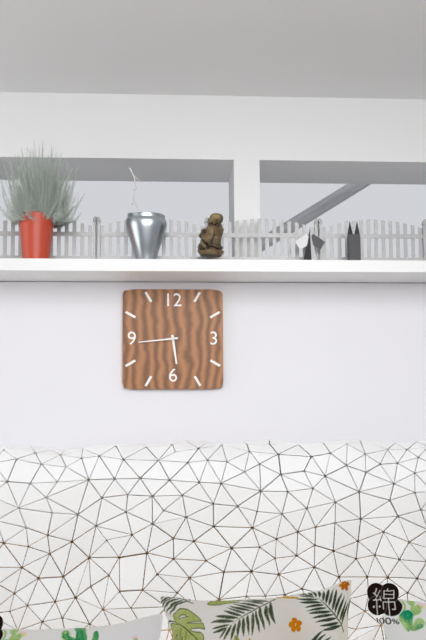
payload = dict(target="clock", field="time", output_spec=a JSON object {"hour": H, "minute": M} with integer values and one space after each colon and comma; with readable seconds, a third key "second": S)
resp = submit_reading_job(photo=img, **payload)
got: {"hour": 5, "minute": 44}
